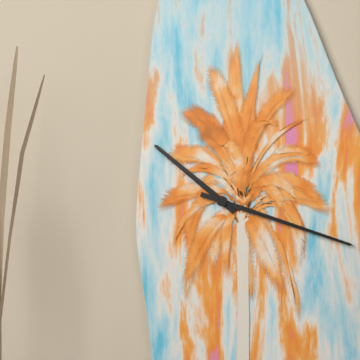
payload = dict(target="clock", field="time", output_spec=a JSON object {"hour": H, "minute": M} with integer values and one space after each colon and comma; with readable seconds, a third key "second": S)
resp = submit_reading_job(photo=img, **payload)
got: {"hour": 10, "minute": 18}
